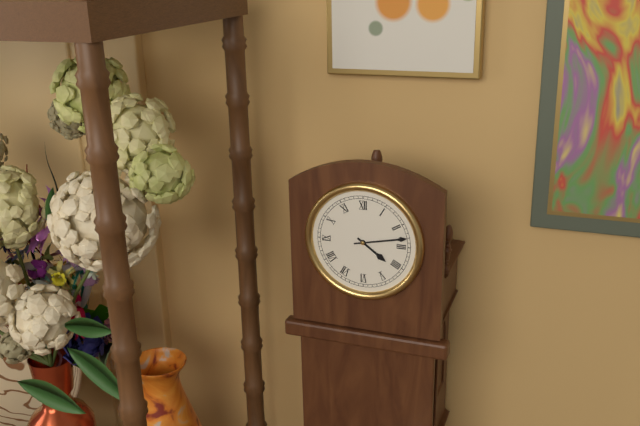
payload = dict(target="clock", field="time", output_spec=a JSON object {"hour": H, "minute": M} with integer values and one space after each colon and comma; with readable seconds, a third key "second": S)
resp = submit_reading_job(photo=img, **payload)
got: {"hour": 4, "minute": 13}
